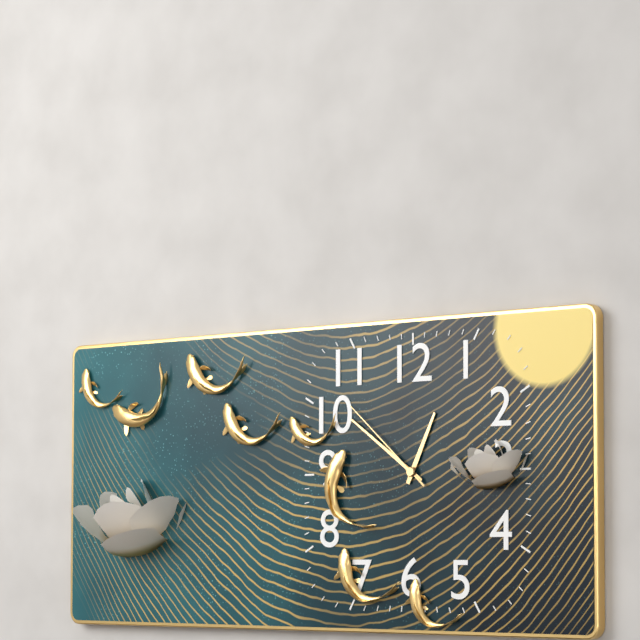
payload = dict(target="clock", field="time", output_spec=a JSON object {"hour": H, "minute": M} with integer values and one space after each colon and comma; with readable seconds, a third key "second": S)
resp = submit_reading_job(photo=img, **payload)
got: {"hour": 12, "minute": 51, "second": 52}
